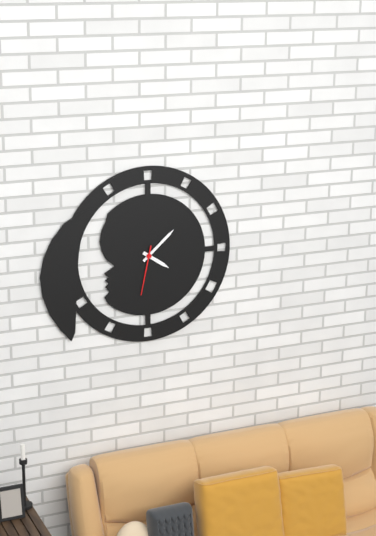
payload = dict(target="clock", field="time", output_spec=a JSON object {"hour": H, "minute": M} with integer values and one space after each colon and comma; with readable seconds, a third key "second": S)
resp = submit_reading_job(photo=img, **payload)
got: {"hour": 4, "minute": 8, "second": 32}
